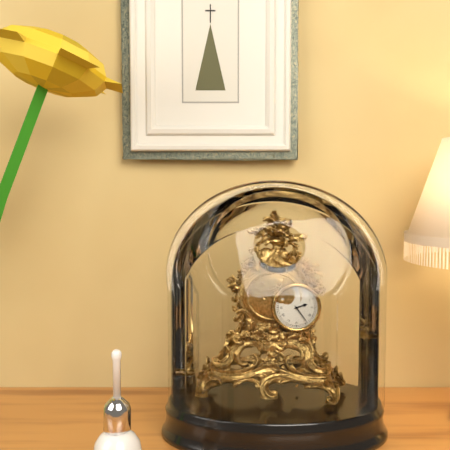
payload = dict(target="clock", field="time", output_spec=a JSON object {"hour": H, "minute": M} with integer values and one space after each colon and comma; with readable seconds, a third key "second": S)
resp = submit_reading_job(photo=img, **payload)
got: {"hour": 2, "minute": 24}
